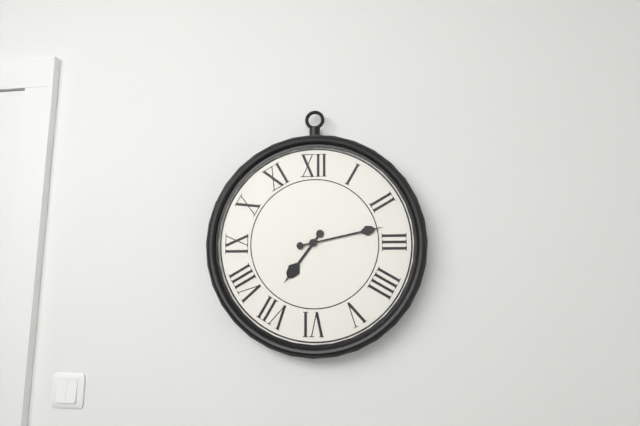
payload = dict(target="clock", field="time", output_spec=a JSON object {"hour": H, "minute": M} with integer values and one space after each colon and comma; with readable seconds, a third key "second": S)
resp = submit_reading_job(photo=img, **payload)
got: {"hour": 7, "minute": 13}
